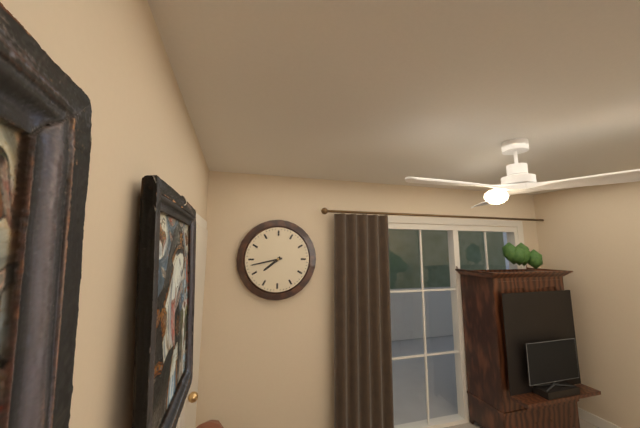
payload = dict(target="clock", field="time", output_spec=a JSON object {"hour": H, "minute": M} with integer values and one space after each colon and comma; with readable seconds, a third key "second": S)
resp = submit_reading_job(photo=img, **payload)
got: {"hour": 7, "minute": 43}
